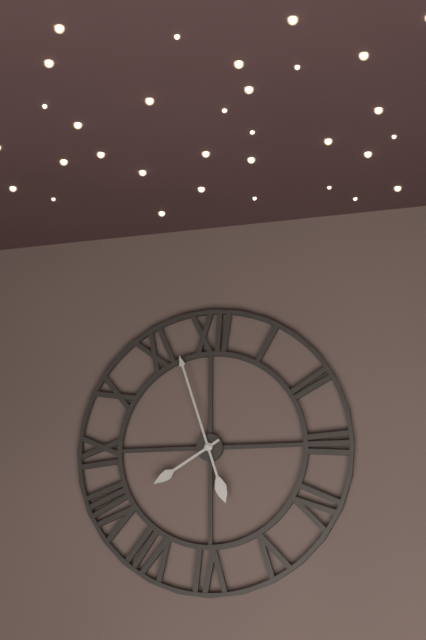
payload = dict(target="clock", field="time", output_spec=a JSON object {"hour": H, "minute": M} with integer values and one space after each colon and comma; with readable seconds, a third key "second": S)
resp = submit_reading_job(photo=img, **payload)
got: {"hour": 7, "minute": 57}
